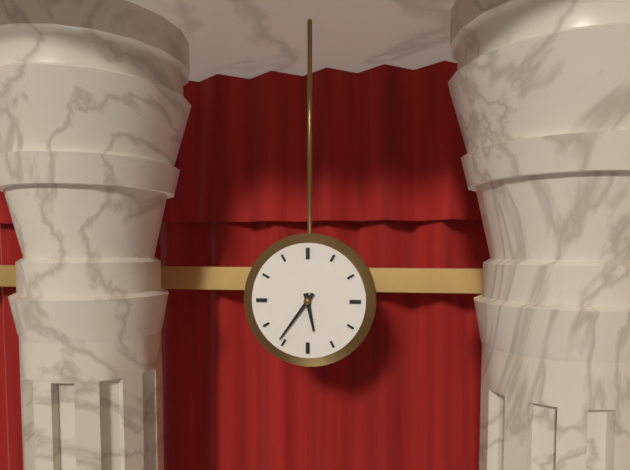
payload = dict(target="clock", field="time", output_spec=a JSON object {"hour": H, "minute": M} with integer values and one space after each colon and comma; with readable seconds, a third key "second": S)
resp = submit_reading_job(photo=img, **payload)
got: {"hour": 5, "minute": 36}
